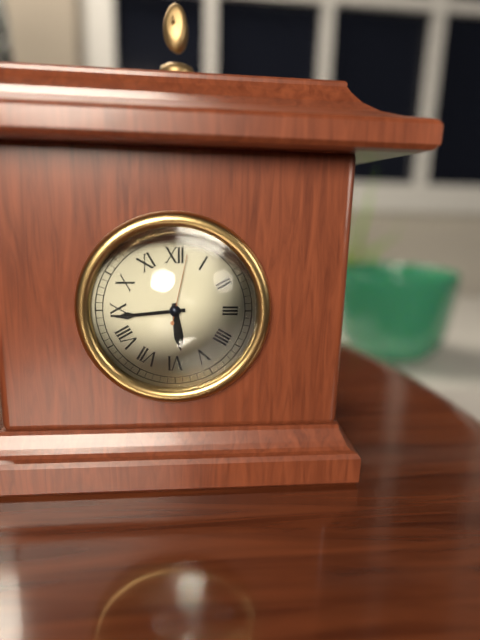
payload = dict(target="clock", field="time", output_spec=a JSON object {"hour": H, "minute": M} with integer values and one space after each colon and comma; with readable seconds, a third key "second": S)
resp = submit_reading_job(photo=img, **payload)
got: {"hour": 5, "minute": 44, "second": 2}
